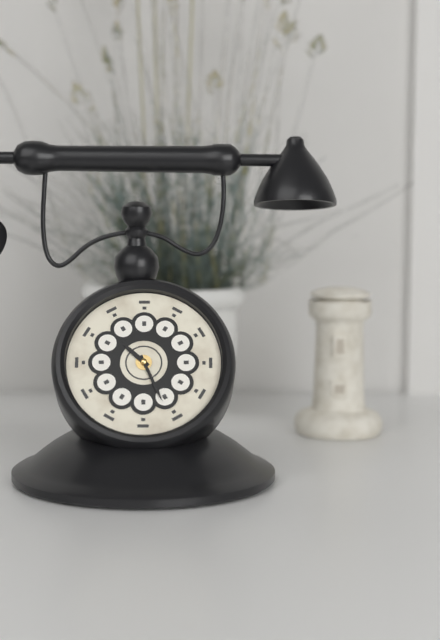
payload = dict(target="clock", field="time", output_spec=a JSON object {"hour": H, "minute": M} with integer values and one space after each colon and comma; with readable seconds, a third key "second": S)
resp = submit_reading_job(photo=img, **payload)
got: {"hour": 10, "minute": 26}
